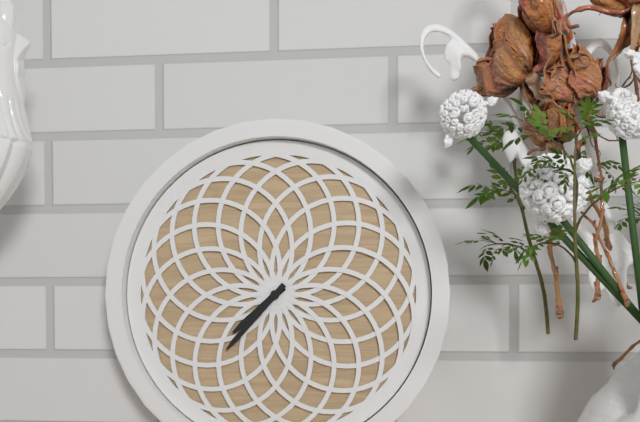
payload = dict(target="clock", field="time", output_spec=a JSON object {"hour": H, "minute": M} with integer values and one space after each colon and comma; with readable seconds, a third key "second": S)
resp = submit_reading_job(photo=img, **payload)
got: {"hour": 7, "minute": 37}
